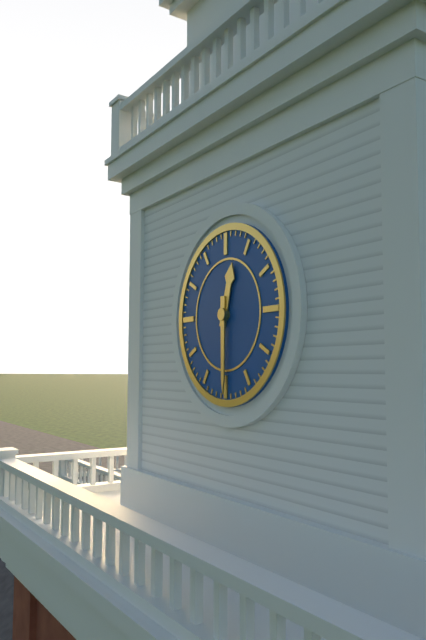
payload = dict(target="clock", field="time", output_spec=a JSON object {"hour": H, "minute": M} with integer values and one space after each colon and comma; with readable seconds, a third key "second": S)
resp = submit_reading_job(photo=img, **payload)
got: {"hour": 12, "minute": 30}
